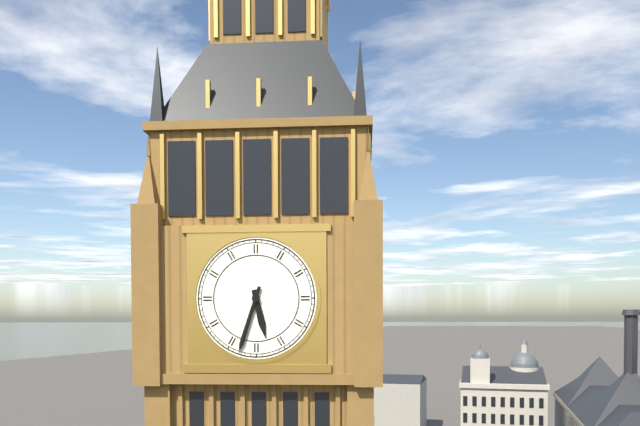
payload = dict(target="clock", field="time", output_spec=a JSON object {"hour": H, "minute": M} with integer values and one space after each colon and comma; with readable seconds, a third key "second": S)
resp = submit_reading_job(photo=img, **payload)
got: {"hour": 5, "minute": 33}
